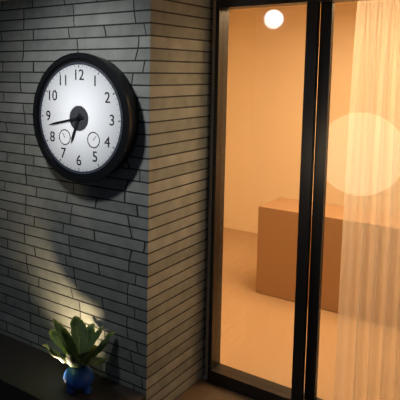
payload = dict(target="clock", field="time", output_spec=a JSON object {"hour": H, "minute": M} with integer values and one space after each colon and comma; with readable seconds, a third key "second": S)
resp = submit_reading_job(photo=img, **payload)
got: {"hour": 6, "minute": 43}
